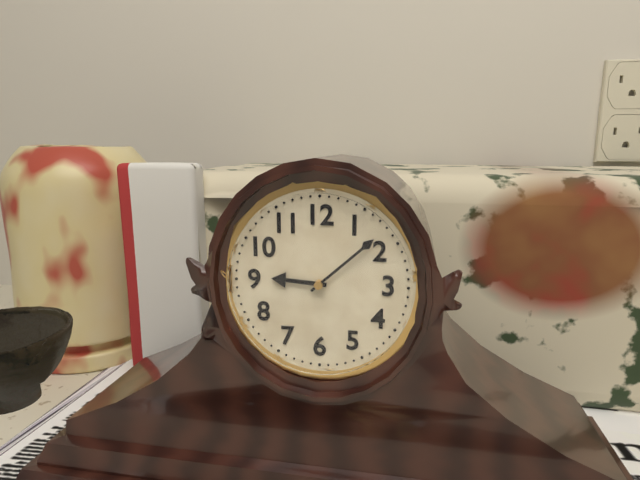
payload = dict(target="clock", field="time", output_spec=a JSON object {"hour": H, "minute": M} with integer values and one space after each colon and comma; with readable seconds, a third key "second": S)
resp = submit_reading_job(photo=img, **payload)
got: {"hour": 9, "minute": 8}
